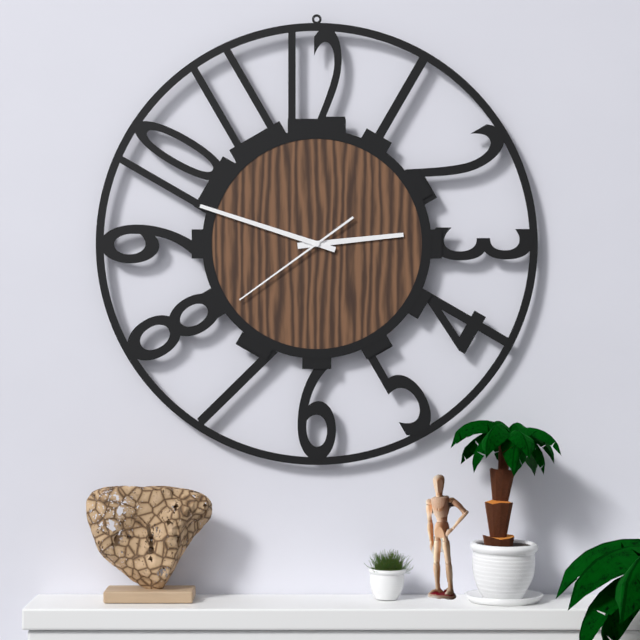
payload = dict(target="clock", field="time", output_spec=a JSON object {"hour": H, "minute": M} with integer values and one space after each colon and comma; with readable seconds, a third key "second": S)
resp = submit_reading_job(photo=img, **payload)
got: {"hour": 2, "minute": 48, "second": 39}
